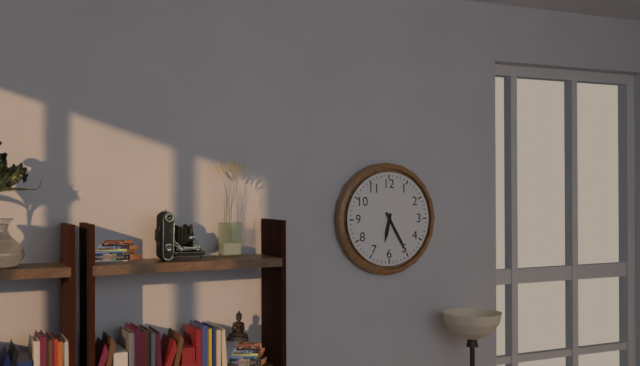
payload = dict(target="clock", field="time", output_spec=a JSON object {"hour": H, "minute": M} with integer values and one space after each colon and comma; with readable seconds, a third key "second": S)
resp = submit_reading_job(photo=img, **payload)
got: {"hour": 6, "minute": 25}
